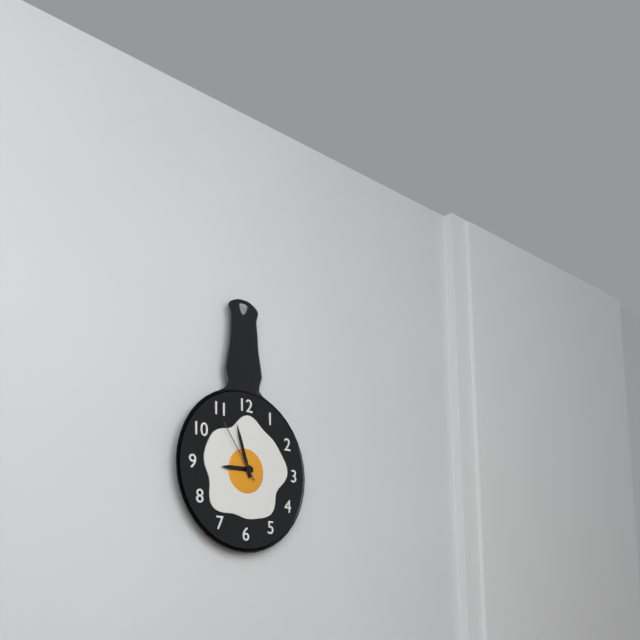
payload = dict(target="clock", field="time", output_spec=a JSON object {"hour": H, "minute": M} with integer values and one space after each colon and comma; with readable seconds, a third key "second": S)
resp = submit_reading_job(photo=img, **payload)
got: {"hour": 8, "minute": 57, "second": 54}
